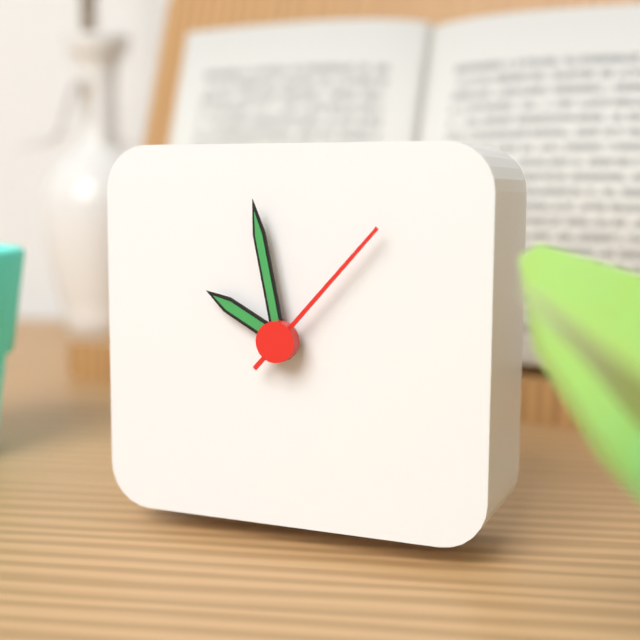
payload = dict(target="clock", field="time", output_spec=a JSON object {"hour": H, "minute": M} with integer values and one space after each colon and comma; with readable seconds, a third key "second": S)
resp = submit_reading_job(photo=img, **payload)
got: {"hour": 9, "minute": 58, "second": 7}
